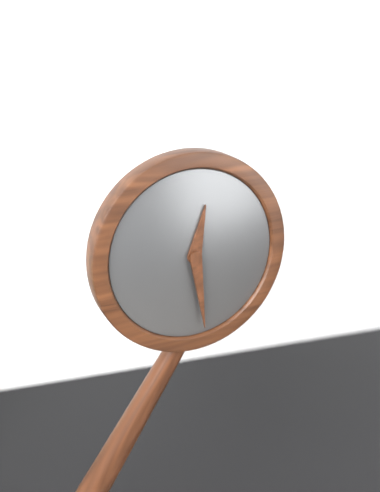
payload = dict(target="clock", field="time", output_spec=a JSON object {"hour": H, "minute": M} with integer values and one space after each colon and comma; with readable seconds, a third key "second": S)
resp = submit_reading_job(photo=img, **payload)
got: {"hour": 12, "minute": 29}
